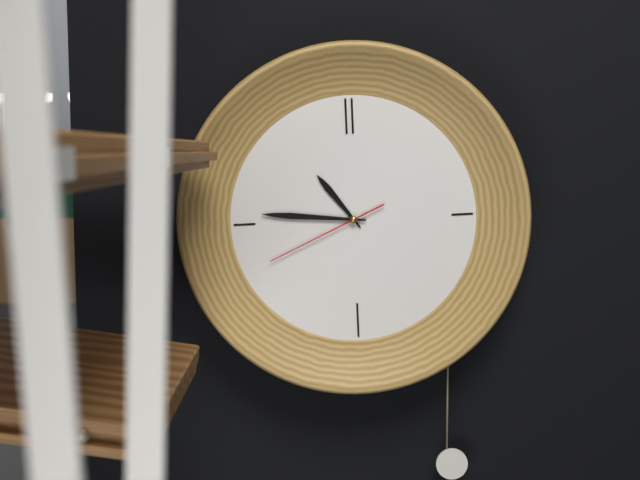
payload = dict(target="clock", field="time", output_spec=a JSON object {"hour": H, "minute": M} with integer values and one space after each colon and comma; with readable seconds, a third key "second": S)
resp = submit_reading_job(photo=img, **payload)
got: {"hour": 10, "minute": 46, "second": 41}
